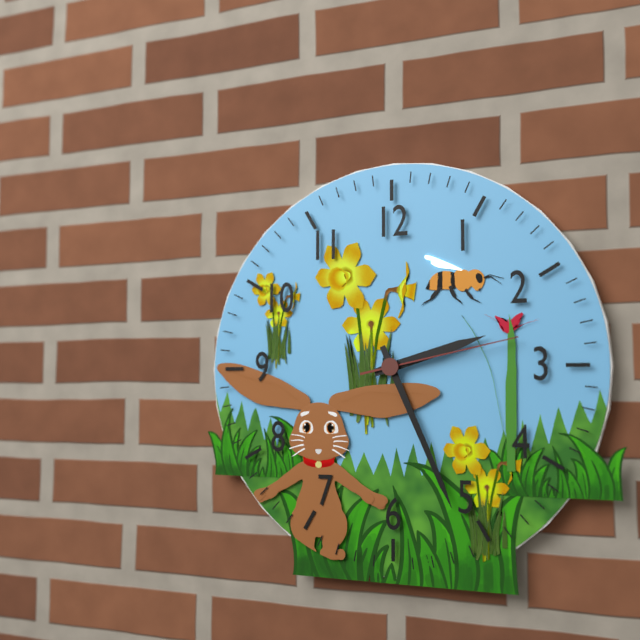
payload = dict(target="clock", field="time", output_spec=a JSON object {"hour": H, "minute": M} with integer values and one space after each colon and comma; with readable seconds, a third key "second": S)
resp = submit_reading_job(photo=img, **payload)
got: {"hour": 2, "minute": 26, "second": 13}
